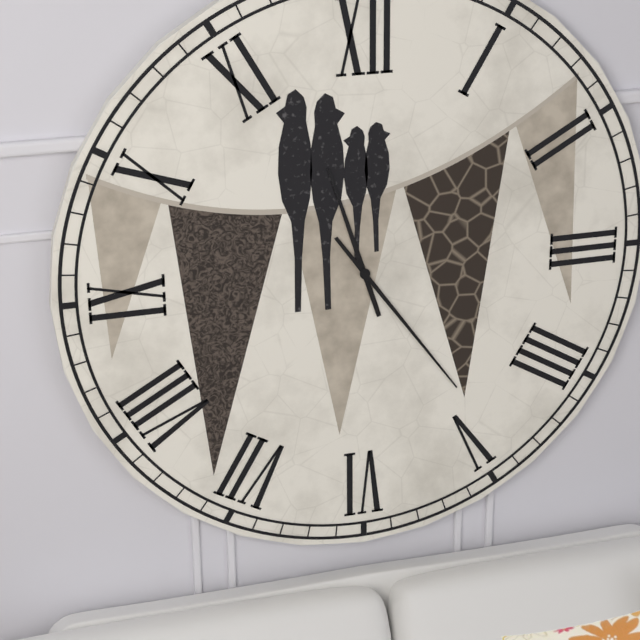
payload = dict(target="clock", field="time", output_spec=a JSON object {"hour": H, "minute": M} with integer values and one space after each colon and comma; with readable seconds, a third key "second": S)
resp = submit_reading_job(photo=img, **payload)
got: {"hour": 11, "minute": 24}
